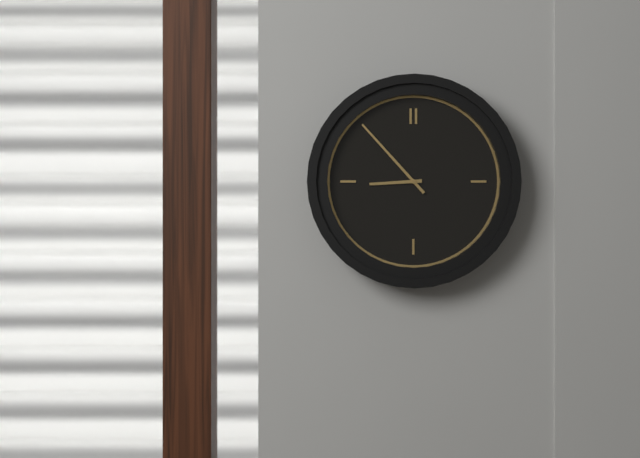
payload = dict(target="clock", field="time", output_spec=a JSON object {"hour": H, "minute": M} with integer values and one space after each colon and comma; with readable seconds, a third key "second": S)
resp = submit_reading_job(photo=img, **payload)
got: {"hour": 8, "minute": 53}
